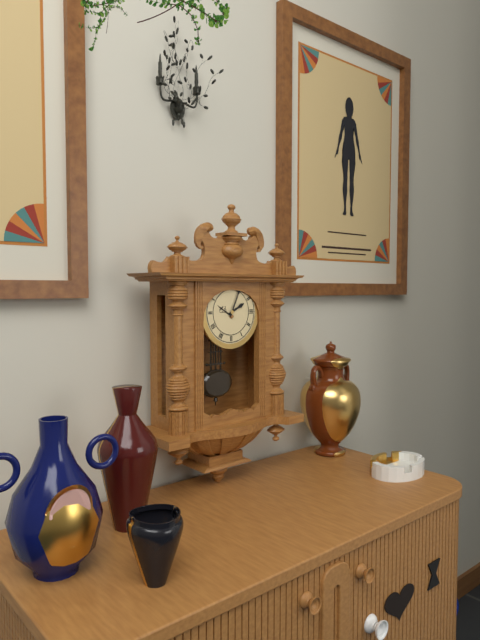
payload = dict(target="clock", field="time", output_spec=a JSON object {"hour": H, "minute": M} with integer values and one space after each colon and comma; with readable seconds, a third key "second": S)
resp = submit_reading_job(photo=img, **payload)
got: {"hour": 2, "minute": 4}
